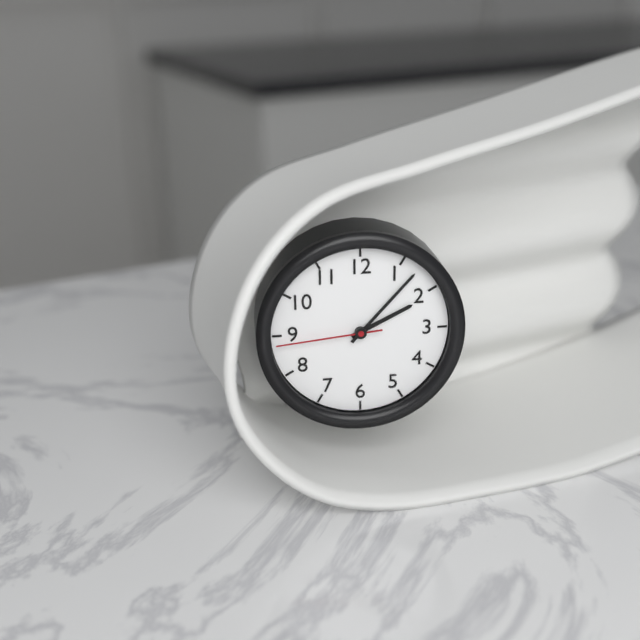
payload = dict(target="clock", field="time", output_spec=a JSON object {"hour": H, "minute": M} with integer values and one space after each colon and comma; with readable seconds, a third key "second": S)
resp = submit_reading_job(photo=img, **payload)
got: {"hour": 2, "minute": 7, "second": 44}
